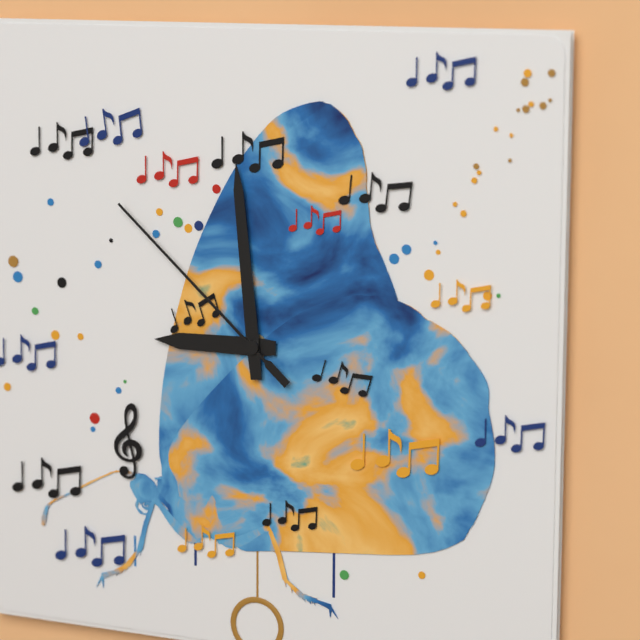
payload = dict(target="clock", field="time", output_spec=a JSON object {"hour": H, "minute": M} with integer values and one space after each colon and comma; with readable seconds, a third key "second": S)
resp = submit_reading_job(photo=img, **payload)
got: {"hour": 8, "minute": 59, "second": 52}
